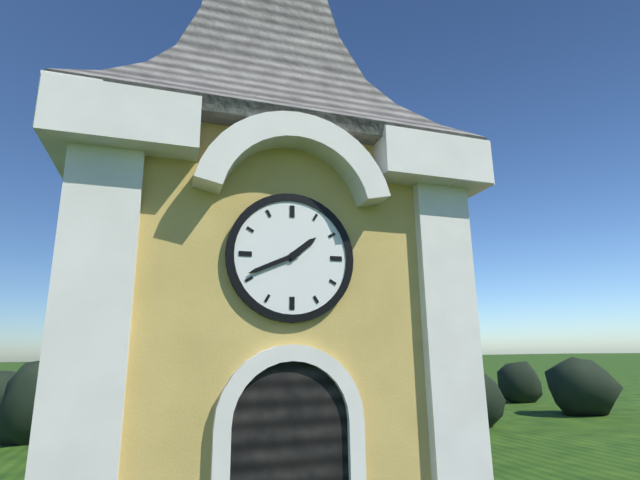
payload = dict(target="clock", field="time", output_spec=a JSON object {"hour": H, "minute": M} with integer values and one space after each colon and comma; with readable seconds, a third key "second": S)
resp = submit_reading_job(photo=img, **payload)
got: {"hour": 1, "minute": 41}
